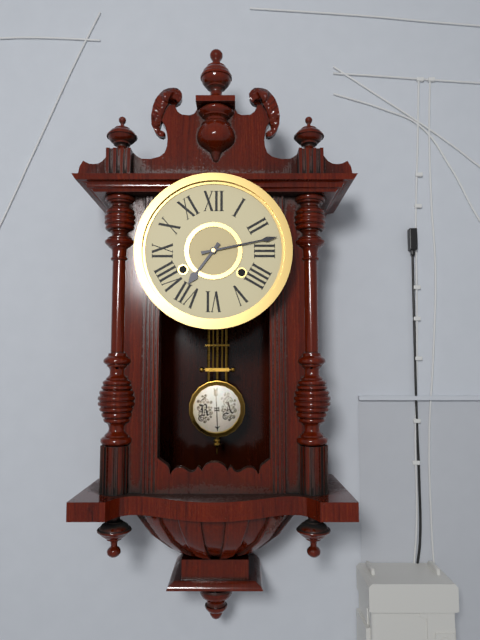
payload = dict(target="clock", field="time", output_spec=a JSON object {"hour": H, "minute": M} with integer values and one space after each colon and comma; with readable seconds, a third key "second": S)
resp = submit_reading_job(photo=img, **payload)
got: {"hour": 7, "minute": 13}
